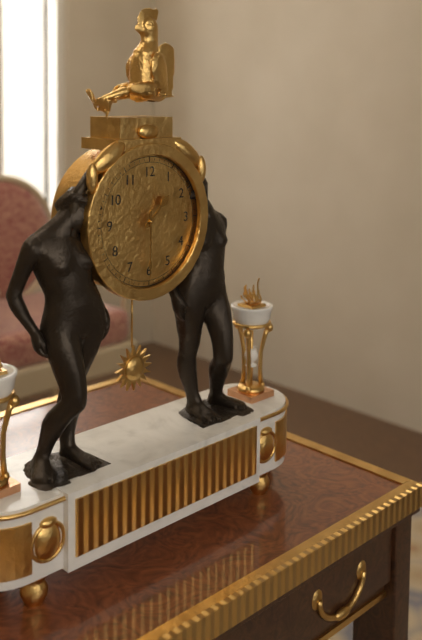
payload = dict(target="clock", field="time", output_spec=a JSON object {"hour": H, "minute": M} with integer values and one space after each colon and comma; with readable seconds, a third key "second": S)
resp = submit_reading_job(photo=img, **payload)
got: {"hour": 1, "minute": 30}
